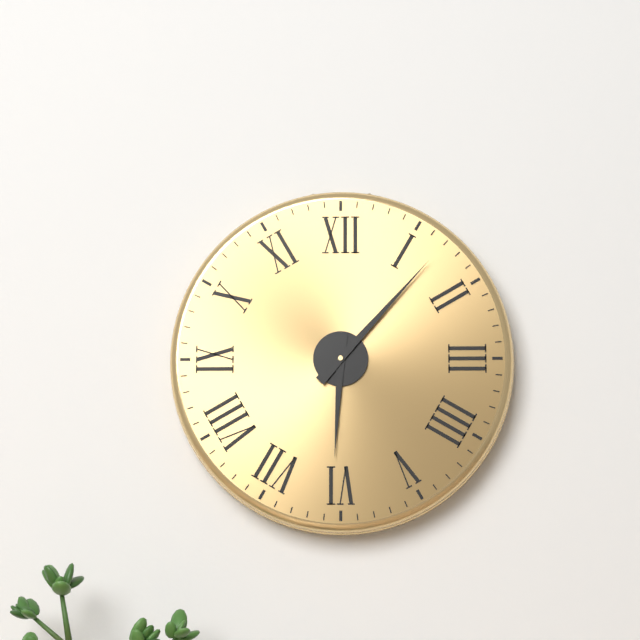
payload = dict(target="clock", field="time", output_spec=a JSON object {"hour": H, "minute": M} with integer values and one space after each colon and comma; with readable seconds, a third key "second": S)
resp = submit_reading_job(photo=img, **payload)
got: {"hour": 6, "minute": 7}
